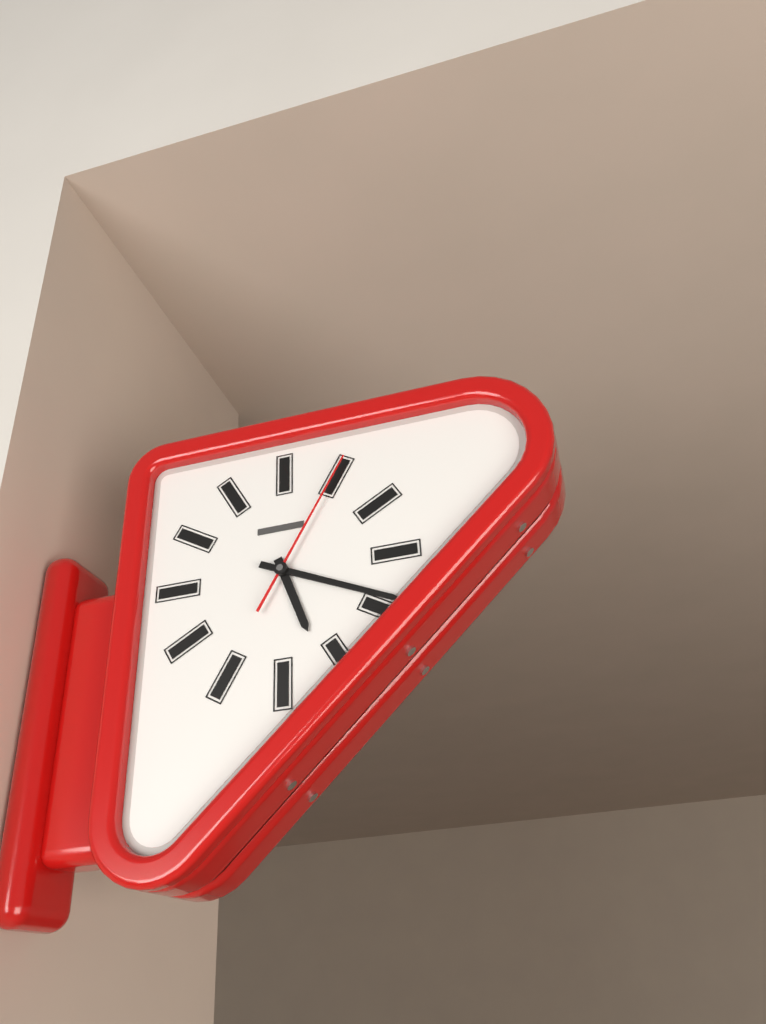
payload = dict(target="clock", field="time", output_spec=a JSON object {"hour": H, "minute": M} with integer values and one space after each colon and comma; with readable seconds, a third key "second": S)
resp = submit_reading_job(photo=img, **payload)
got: {"hour": 5, "minute": 19, "second": 5}
